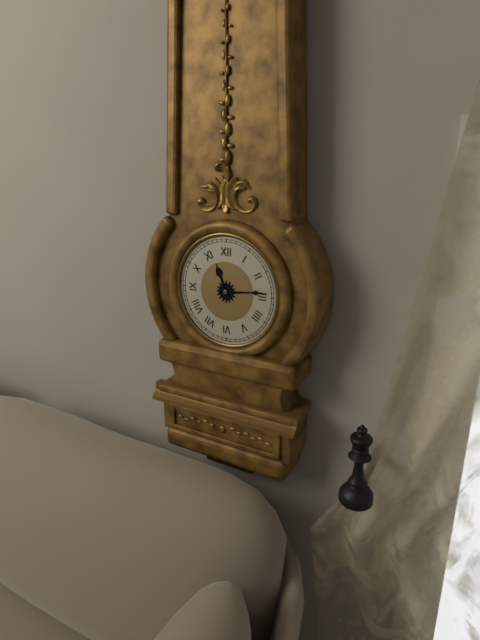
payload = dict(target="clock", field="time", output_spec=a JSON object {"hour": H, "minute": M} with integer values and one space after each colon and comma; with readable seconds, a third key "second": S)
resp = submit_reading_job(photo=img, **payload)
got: {"hour": 11, "minute": 14}
